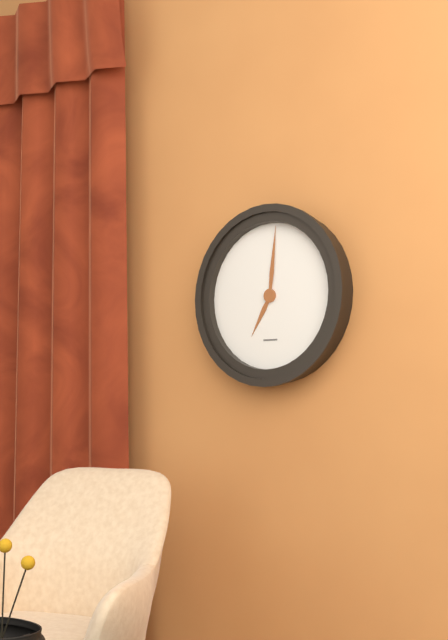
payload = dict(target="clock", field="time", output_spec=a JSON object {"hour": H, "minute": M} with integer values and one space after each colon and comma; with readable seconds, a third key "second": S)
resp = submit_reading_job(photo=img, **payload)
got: {"hour": 7, "minute": 1}
